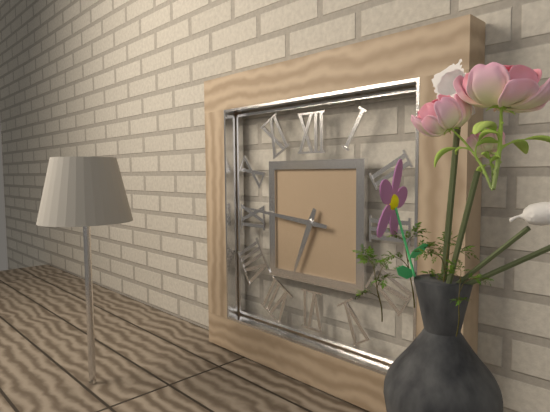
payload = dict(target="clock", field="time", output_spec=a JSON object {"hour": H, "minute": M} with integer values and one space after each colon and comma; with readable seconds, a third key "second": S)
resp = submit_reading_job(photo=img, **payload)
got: {"hour": 6, "minute": 46}
